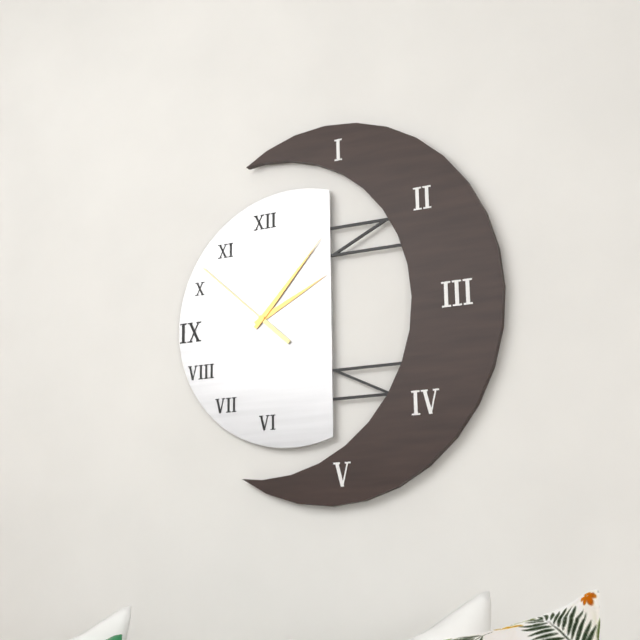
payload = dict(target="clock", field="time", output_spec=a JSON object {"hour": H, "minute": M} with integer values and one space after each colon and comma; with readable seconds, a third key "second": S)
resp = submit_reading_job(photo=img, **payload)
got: {"hour": 2, "minute": 7, "second": 52}
